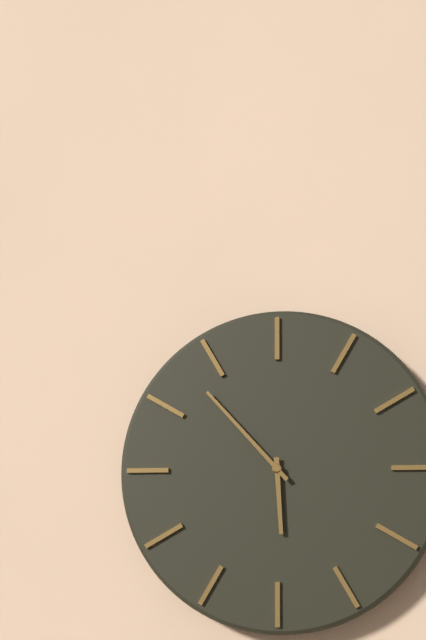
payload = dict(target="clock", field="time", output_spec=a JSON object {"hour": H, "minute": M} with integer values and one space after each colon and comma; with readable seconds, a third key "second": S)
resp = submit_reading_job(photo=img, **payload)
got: {"hour": 5, "minute": 53}
